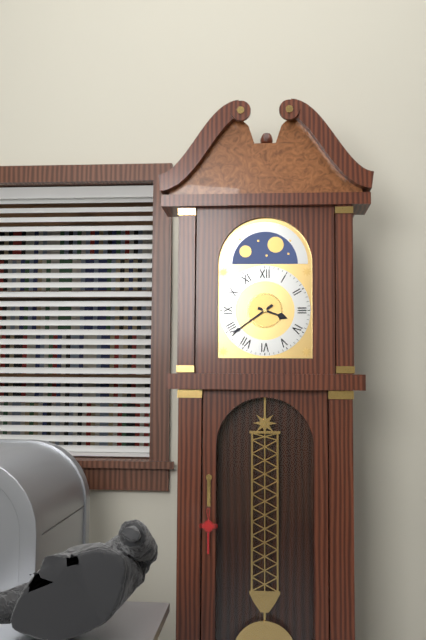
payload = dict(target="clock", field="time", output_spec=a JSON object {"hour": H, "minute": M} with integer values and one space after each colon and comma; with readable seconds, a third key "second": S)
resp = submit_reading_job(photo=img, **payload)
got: {"hour": 3, "minute": 39}
